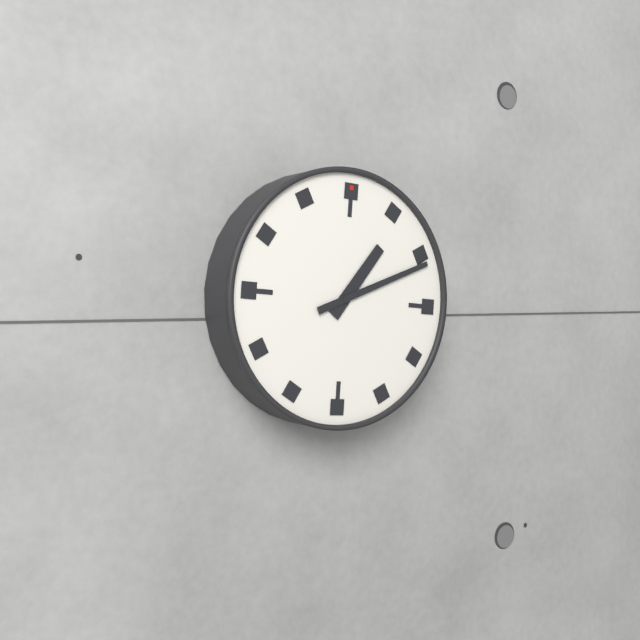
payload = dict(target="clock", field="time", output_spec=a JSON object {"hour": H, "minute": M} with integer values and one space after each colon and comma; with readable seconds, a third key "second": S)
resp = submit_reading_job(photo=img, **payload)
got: {"hour": 1, "minute": 11}
